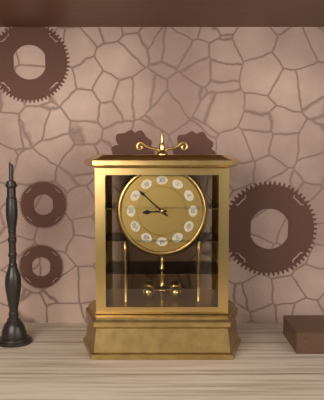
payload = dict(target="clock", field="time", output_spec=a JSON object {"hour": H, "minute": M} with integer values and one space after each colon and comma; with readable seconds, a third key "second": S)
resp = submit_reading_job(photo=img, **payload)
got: {"hour": 8, "minute": 52}
